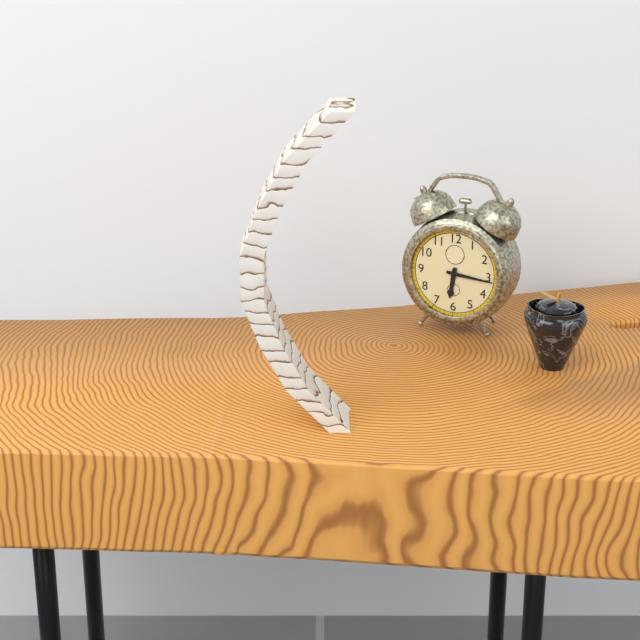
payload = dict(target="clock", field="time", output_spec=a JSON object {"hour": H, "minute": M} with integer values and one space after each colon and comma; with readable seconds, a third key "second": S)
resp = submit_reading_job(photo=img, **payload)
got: {"hour": 6, "minute": 16}
